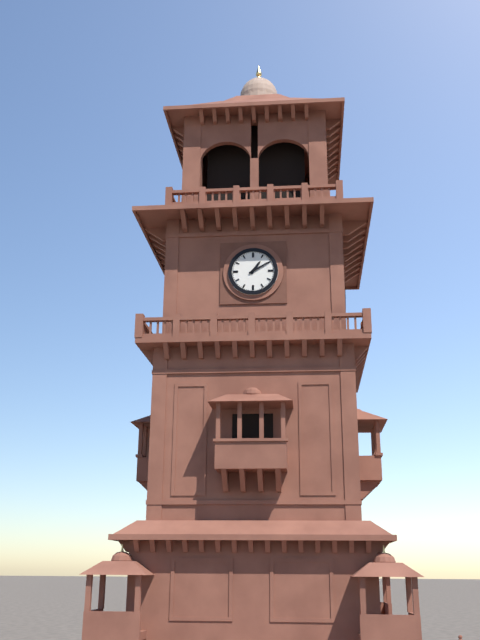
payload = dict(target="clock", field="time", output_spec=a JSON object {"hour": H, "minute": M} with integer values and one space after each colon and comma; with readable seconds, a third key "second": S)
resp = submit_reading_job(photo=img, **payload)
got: {"hour": 1, "minute": 10}
